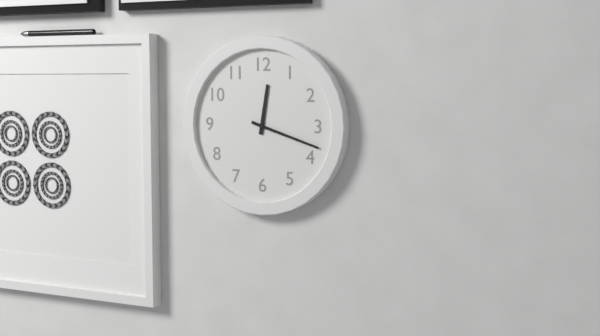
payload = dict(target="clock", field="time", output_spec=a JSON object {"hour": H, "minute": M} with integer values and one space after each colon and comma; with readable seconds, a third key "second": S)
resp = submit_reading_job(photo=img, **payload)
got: {"hour": 12, "minute": 18}
